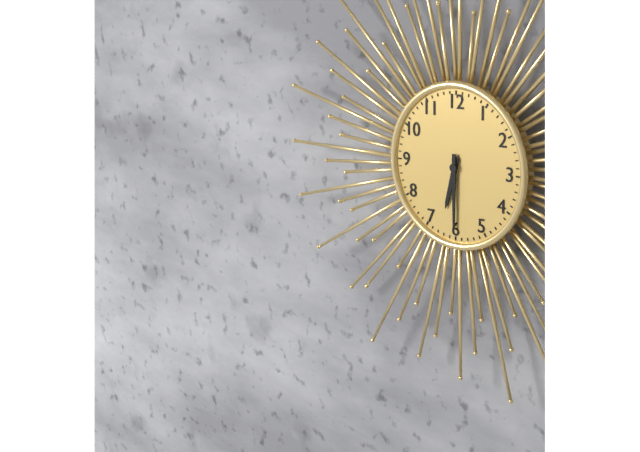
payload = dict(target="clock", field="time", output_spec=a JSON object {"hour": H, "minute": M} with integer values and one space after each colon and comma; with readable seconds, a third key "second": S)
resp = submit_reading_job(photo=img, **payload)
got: {"hour": 6, "minute": 30}
